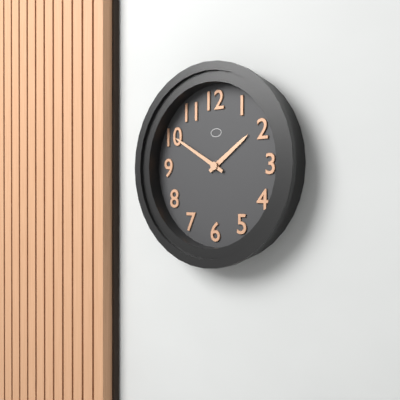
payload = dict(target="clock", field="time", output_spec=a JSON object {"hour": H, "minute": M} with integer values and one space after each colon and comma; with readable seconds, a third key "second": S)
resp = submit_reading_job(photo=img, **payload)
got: {"hour": 1, "minute": 50}
